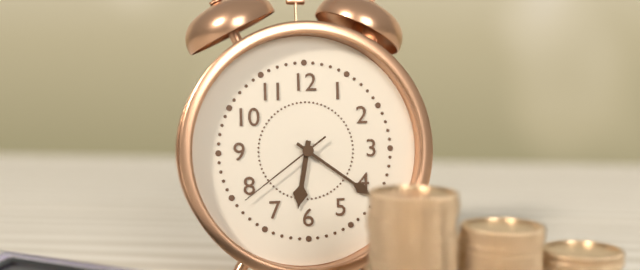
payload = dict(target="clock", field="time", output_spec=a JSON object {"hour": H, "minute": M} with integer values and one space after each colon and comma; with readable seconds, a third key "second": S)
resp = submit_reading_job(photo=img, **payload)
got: {"hour": 6, "minute": 21, "second": 39}
